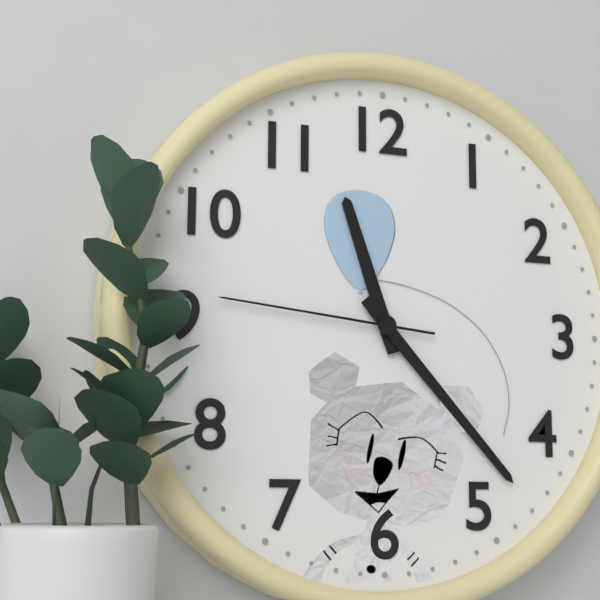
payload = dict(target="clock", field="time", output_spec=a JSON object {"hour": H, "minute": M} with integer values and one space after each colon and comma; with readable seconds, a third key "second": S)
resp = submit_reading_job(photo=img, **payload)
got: {"hour": 11, "minute": 23, "second": 46}
